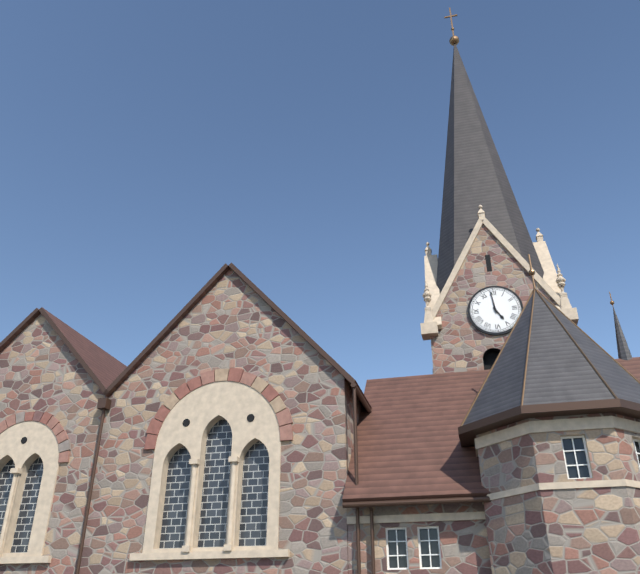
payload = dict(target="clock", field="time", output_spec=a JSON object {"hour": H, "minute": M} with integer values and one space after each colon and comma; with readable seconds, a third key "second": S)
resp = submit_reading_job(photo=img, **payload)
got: {"hour": 4, "minute": 59}
